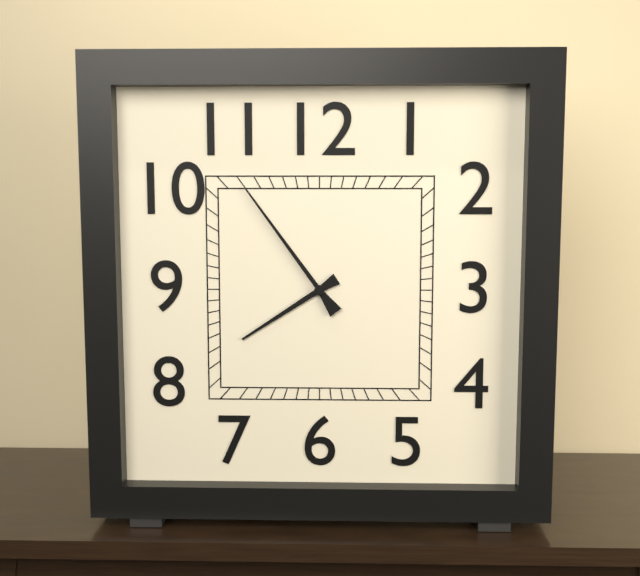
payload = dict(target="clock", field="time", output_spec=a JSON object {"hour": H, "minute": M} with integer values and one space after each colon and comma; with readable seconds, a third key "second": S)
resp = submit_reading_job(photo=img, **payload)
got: {"hour": 7, "minute": 54}
